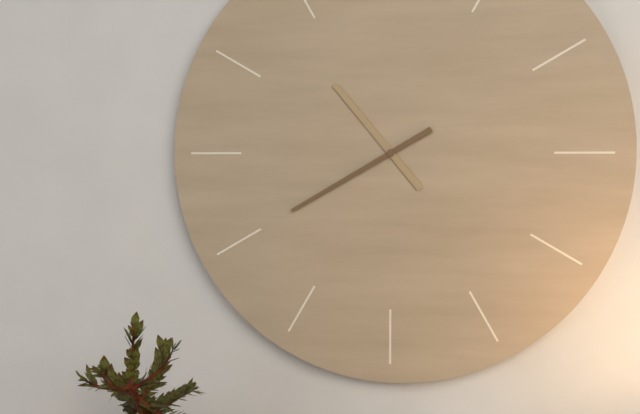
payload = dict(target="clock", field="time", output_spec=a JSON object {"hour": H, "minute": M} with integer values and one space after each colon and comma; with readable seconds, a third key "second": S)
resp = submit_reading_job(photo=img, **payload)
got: {"hour": 10, "minute": 40}
